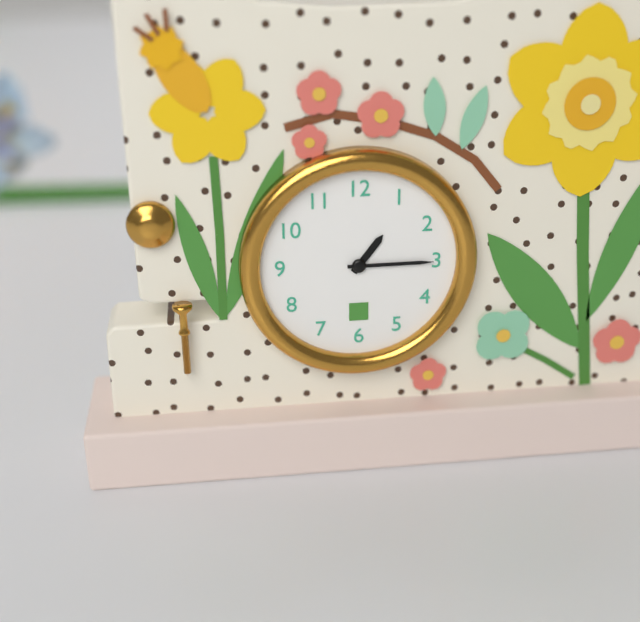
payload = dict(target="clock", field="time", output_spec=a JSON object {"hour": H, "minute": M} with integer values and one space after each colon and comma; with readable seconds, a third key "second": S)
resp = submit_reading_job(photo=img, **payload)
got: {"hour": 1, "minute": 15}
